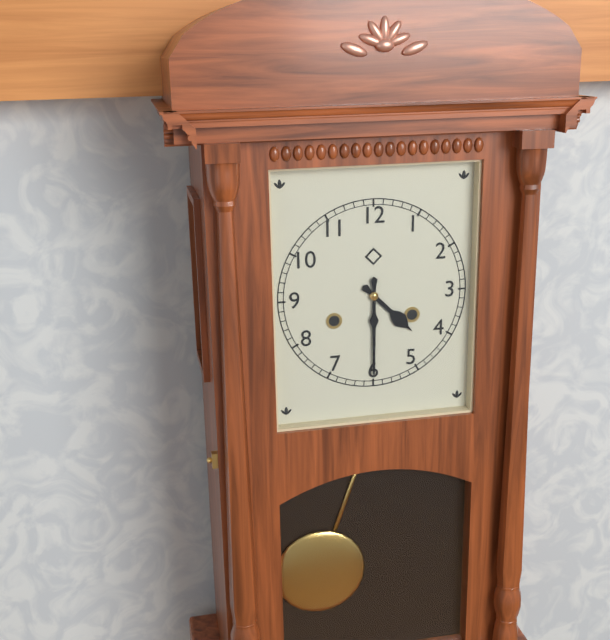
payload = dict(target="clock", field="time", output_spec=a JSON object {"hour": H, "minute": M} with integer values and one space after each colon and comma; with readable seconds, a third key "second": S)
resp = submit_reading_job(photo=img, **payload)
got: {"hour": 4, "minute": 30}
